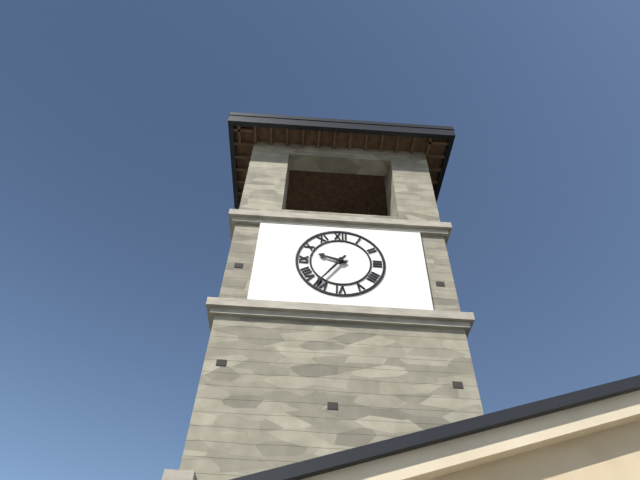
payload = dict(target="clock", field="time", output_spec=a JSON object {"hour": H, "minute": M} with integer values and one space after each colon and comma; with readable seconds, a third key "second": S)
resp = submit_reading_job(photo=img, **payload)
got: {"hour": 9, "minute": 36}
